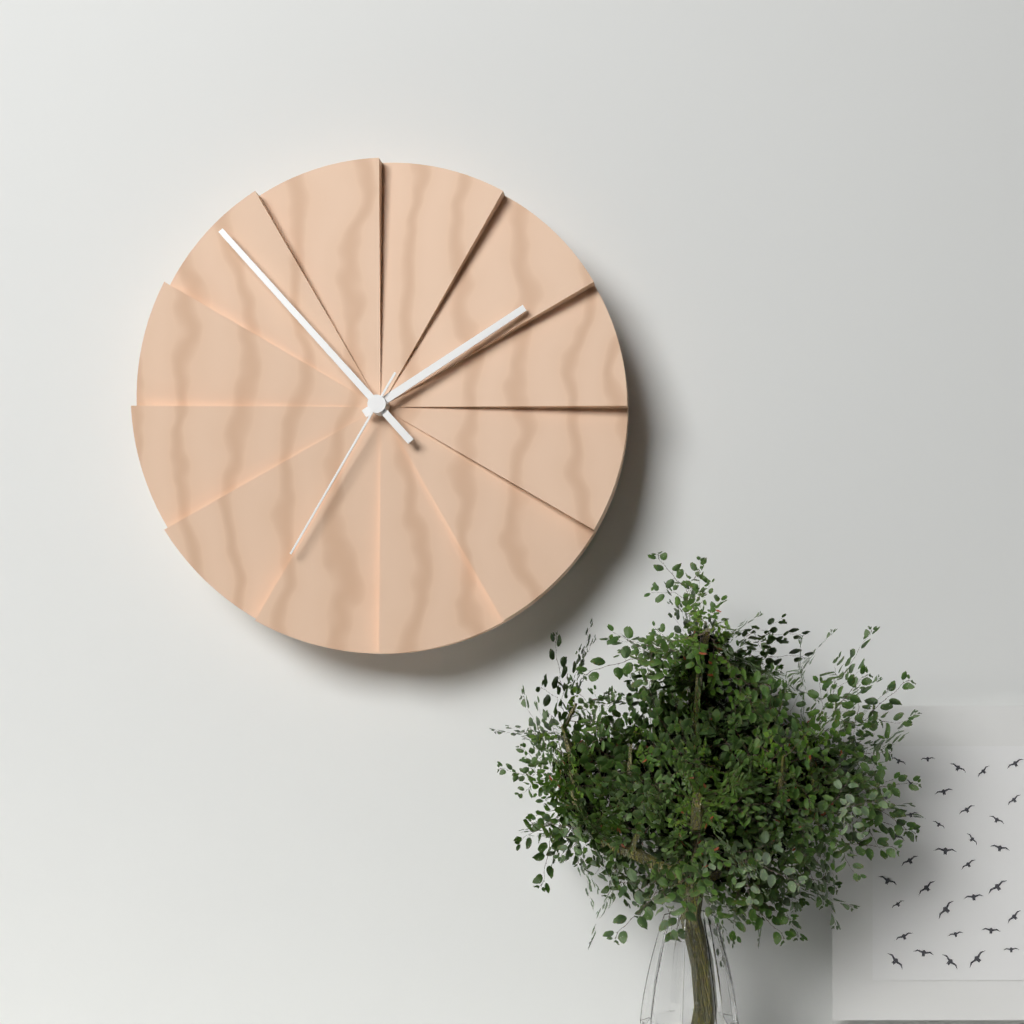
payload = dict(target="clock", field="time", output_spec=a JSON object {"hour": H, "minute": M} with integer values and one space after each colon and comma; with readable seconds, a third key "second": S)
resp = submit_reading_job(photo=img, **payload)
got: {"hour": 1, "minute": 53, "second": 35}
